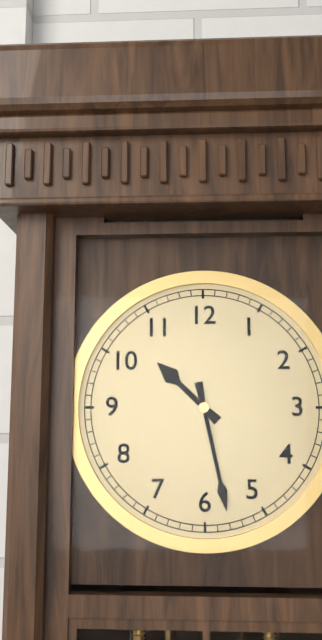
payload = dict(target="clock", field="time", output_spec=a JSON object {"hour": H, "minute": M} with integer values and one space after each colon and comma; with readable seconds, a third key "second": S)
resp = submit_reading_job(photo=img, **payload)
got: {"hour": 10, "minute": 28}
